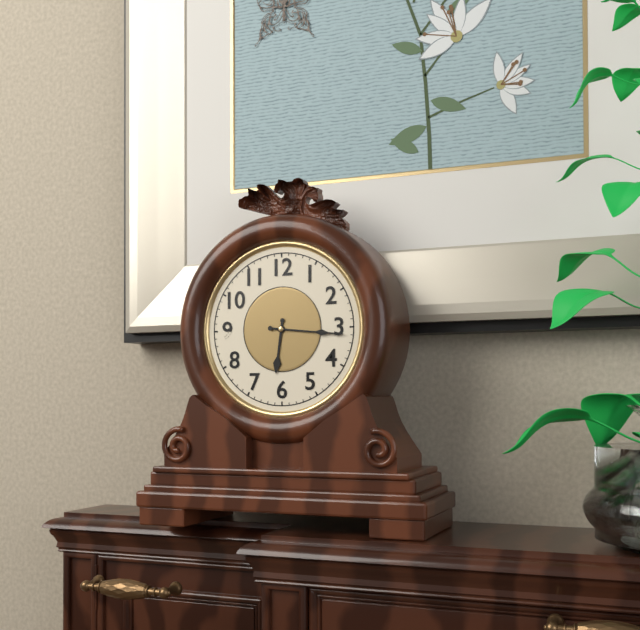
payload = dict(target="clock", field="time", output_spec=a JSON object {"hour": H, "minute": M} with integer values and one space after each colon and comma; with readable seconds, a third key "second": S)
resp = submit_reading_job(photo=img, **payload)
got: {"hour": 6, "minute": 16}
